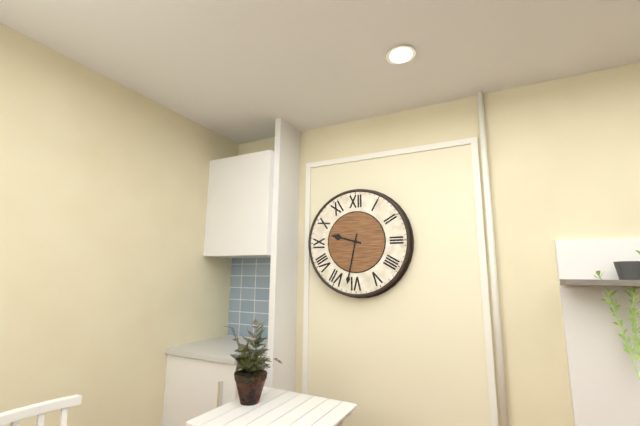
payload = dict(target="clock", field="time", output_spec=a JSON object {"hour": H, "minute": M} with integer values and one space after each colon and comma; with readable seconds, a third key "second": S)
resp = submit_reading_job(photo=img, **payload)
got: {"hour": 9, "minute": 32}
